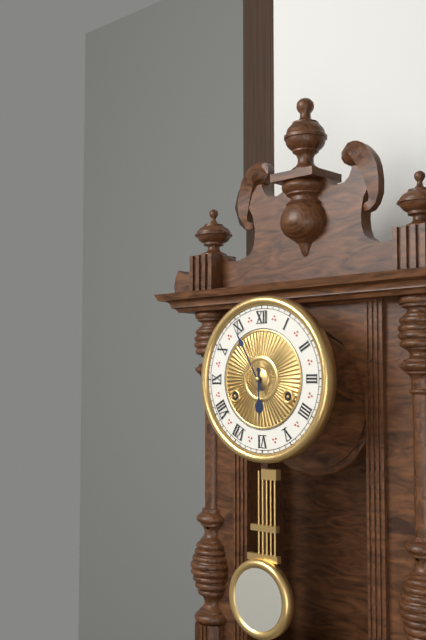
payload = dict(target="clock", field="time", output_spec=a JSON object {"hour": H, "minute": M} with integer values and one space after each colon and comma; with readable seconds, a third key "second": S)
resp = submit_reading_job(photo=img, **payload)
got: {"hour": 5, "minute": 55}
